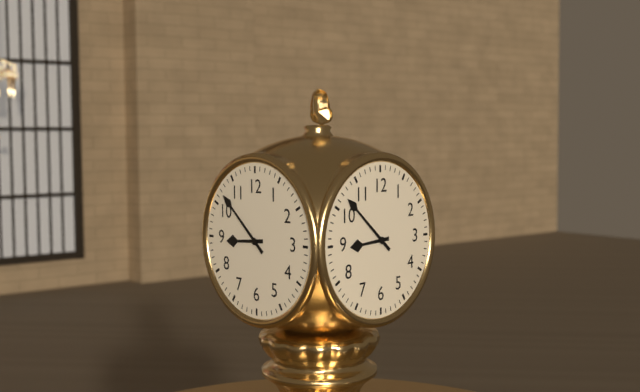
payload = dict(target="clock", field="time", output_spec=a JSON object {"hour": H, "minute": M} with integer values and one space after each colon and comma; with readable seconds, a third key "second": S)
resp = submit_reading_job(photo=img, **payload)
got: {"hour": 8, "minute": 52}
